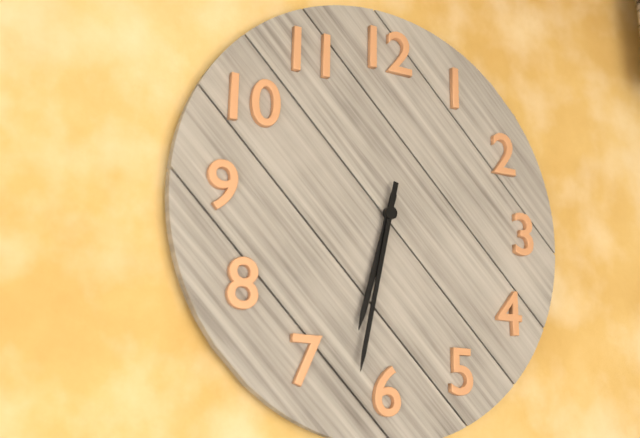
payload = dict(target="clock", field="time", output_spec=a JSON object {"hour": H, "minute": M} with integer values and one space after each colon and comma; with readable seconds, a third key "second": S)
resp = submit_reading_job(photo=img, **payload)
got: {"hour": 6, "minute": 32}
